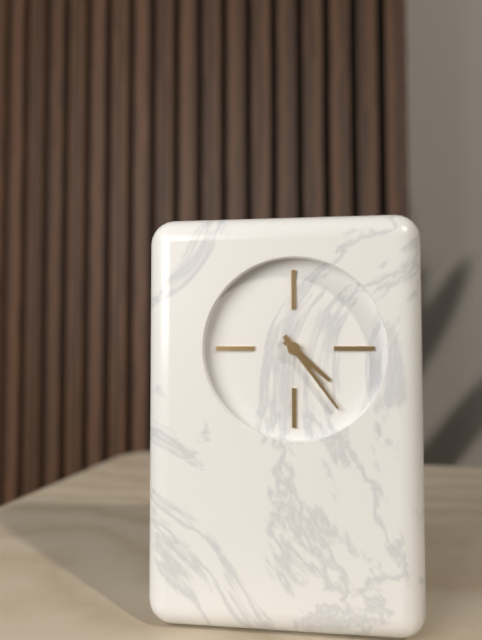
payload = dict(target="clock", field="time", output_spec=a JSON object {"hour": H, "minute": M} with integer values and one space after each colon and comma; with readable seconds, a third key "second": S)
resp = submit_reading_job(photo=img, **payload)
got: {"hour": 4, "minute": 24}
